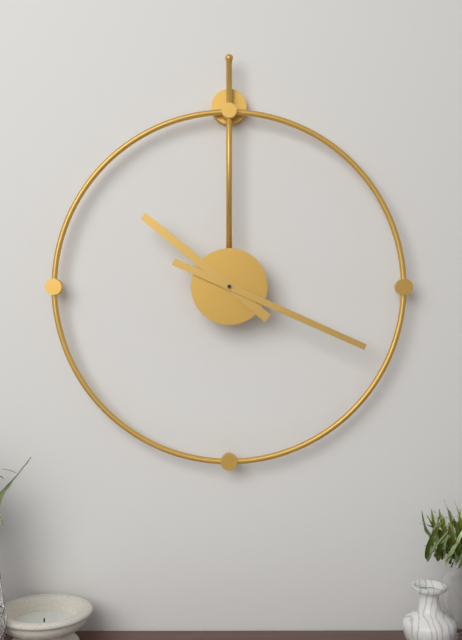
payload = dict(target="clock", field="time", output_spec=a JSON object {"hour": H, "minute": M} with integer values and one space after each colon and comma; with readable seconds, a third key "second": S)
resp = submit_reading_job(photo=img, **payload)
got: {"hour": 10, "minute": 19}
